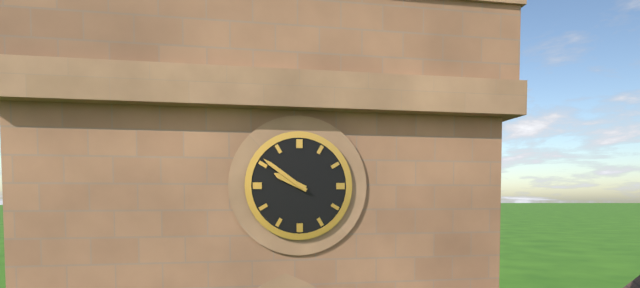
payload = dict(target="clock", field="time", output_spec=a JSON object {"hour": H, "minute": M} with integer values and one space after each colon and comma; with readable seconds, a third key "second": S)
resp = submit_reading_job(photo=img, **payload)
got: {"hour": 9, "minute": 51}
